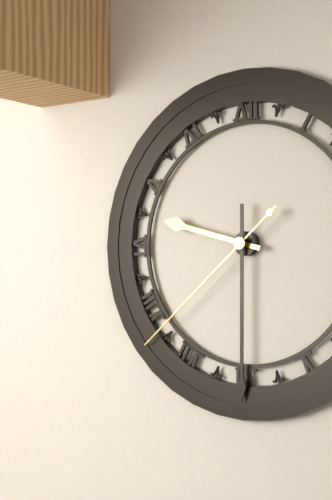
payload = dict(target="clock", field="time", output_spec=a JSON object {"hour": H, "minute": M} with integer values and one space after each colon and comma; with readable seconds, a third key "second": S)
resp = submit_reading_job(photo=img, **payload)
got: {"hour": 9, "minute": 30, "second": 38}
